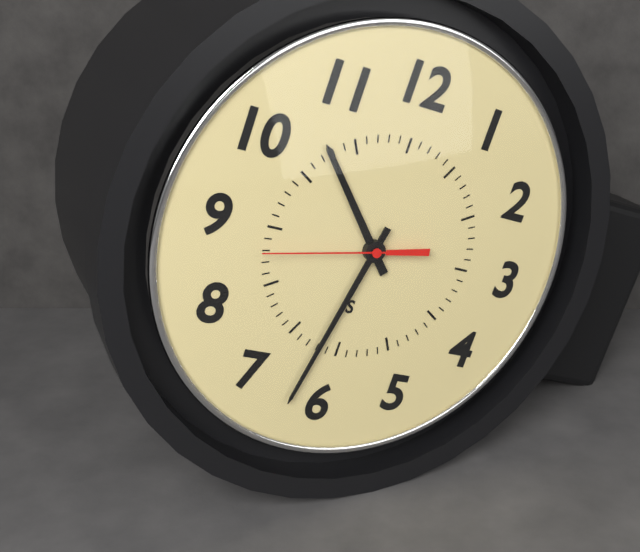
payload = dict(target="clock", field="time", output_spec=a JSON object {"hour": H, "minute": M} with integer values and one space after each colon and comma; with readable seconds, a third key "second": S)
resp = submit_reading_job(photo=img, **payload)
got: {"hour": 10, "minute": 32, "second": 43}
